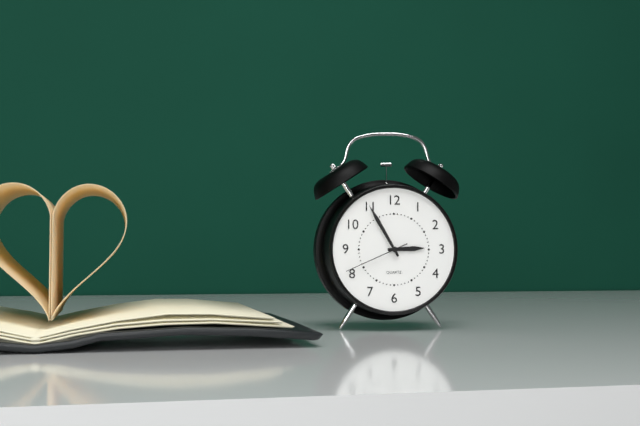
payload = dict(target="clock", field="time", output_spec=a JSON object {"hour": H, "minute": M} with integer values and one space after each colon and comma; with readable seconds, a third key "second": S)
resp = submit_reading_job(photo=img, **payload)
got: {"hour": 2, "minute": 55, "second": 41}
